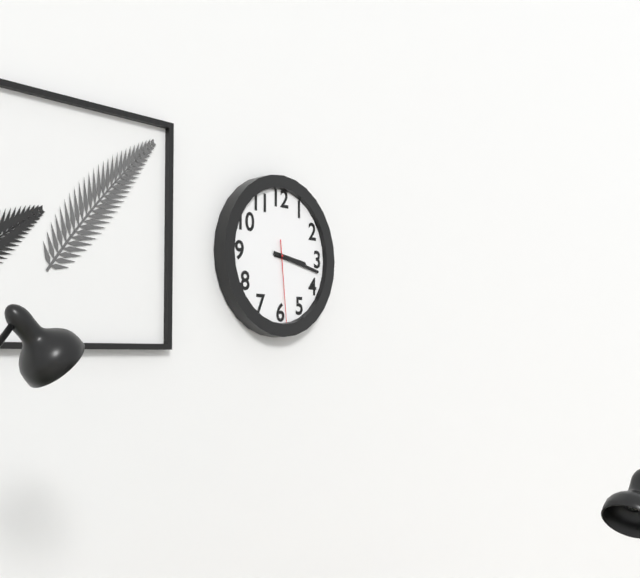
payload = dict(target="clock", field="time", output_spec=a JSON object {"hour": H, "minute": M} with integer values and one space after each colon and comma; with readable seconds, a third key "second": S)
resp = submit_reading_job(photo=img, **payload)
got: {"hour": 3, "minute": 17, "second": 29}
